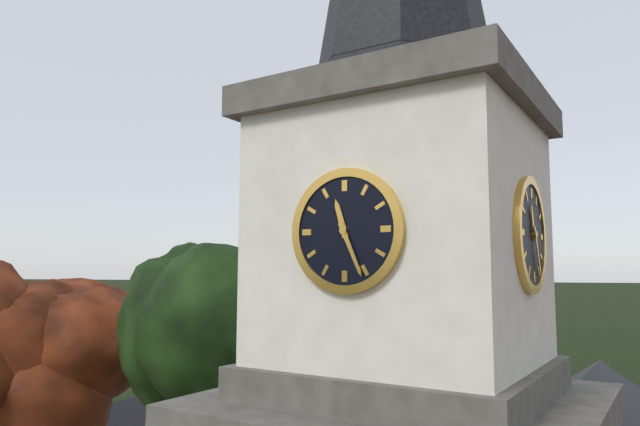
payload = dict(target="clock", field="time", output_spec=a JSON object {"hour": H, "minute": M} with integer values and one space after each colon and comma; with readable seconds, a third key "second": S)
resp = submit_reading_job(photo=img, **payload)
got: {"hour": 11, "minute": 26}
